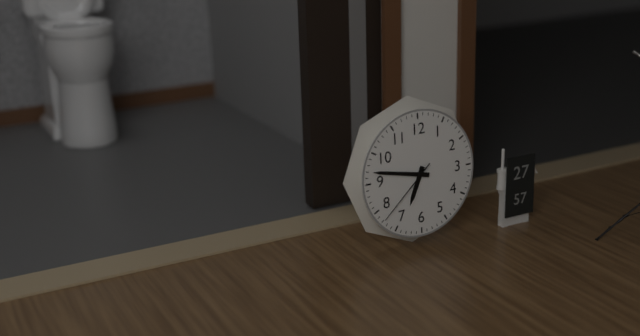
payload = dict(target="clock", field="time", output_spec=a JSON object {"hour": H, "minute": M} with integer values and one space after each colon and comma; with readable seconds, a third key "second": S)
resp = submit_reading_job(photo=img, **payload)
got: {"hour": 6, "minute": 47, "second": 38}
